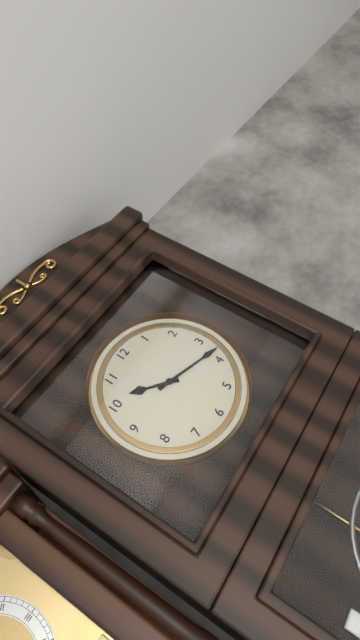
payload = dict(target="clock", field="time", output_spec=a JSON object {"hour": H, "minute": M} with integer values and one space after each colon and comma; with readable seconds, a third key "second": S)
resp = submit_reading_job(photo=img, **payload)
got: {"hour": 10, "minute": 18}
